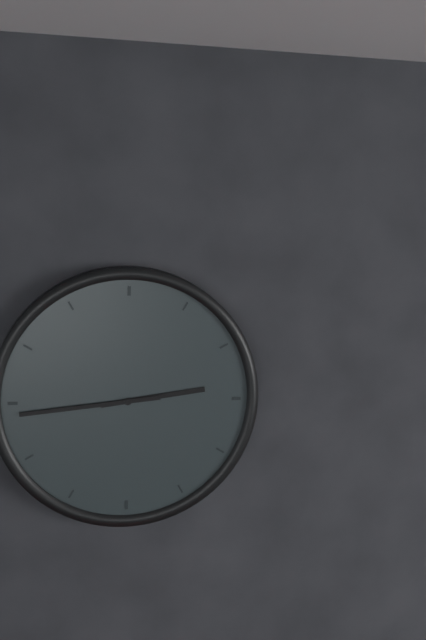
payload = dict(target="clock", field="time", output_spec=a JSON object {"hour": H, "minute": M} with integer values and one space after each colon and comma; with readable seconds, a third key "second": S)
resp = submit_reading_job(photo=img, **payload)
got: {"hour": 2, "minute": 44}
